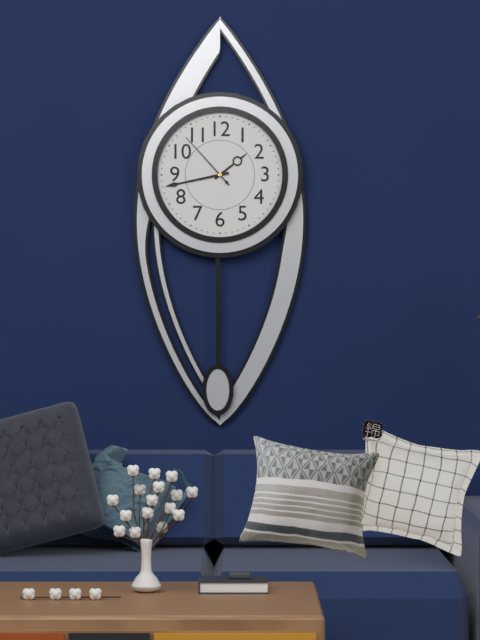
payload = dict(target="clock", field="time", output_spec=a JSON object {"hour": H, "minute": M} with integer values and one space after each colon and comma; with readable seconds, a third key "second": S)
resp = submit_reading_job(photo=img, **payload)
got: {"hour": 1, "minute": 43, "second": 53}
